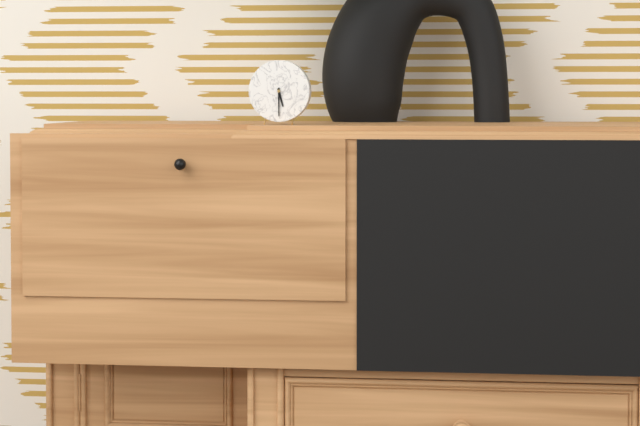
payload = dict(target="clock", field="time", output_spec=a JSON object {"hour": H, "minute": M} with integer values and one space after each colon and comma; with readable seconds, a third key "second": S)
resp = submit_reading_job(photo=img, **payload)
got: {"hour": 5, "minute": 30}
